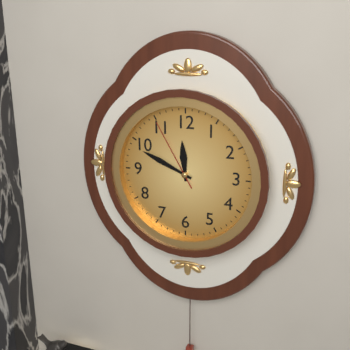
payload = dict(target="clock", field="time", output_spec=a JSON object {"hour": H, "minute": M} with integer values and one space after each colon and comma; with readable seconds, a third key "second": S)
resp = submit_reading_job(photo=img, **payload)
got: {"hour": 11, "minute": 49, "second": 55}
